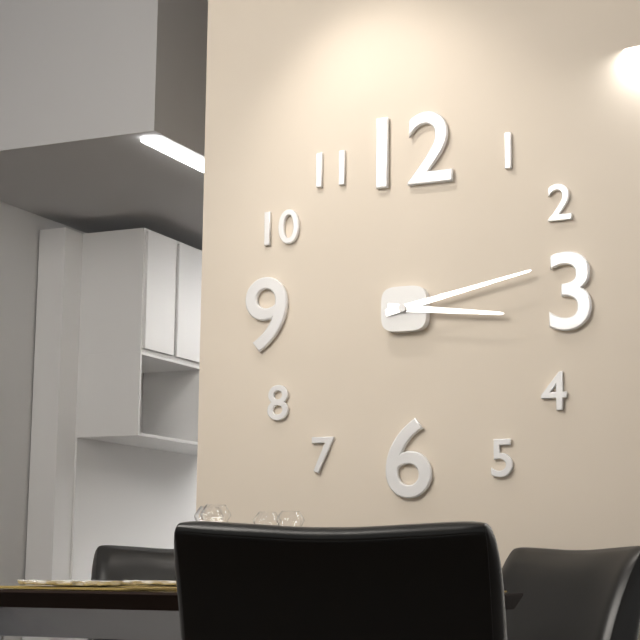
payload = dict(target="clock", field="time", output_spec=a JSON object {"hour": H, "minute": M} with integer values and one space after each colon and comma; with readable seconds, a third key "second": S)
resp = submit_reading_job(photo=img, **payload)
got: {"hour": 3, "minute": 13}
